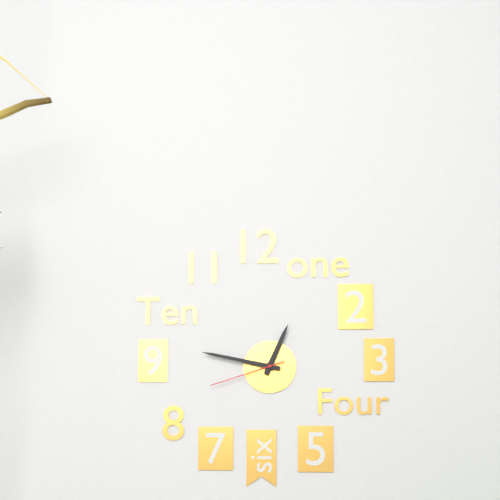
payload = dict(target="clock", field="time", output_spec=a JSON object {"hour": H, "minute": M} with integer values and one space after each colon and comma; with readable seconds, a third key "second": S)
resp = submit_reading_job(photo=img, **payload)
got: {"hour": 12, "minute": 47, "second": 42}
